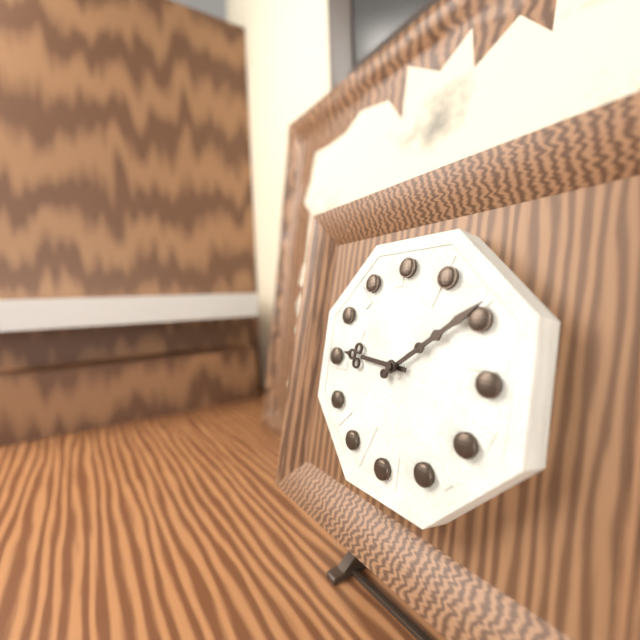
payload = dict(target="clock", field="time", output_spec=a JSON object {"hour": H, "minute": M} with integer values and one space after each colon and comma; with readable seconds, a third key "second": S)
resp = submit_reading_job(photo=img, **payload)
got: {"hour": 9, "minute": 9}
